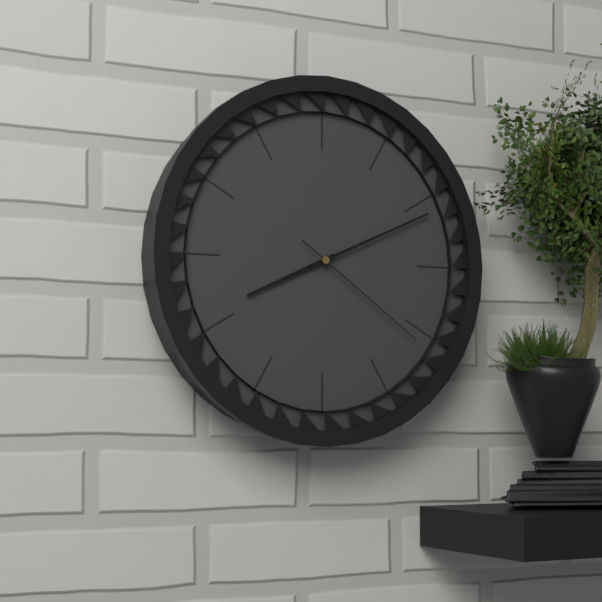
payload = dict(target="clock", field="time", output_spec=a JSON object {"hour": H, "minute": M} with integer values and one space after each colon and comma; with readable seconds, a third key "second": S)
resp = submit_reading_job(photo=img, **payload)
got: {"hour": 8, "minute": 11, "second": 21}
